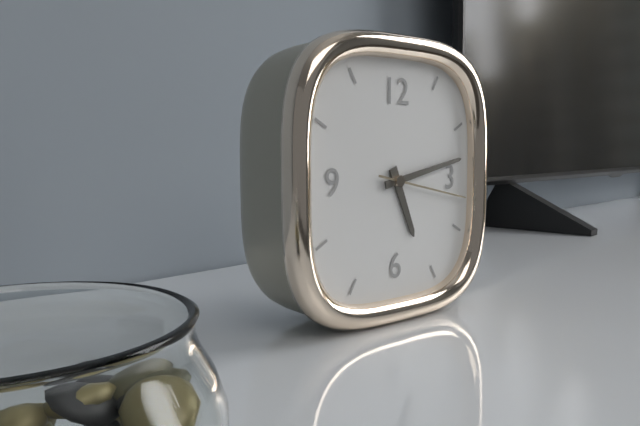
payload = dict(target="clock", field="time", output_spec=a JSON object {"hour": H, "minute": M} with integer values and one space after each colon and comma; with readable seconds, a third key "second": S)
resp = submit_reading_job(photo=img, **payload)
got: {"hour": 5, "minute": 13, "second": 17}
